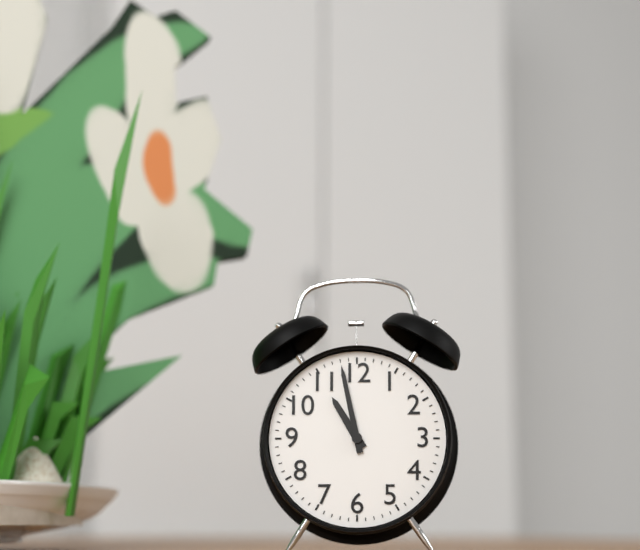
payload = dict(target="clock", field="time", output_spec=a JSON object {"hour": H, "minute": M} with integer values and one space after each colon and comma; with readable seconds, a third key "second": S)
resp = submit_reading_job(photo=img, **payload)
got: {"hour": 10, "minute": 58}
